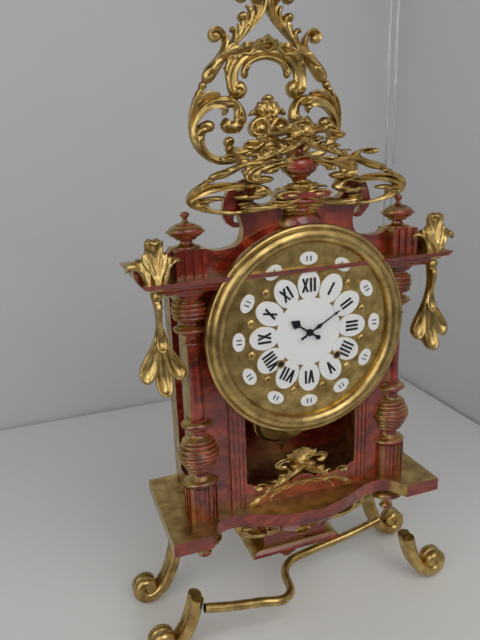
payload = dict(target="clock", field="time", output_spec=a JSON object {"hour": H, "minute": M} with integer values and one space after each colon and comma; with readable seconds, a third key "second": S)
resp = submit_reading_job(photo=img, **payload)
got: {"hour": 10, "minute": 10}
